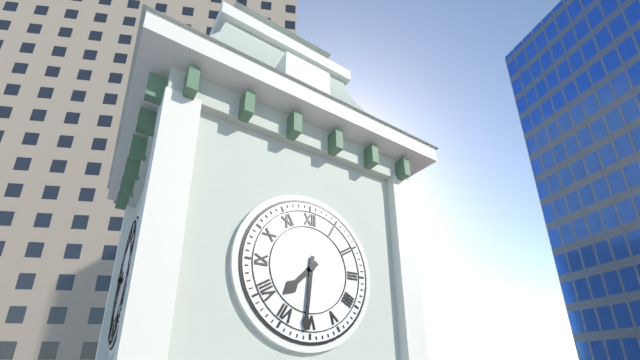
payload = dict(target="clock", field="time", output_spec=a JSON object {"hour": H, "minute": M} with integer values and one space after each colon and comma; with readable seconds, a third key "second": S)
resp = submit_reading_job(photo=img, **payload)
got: {"hour": 7, "minute": 31}
